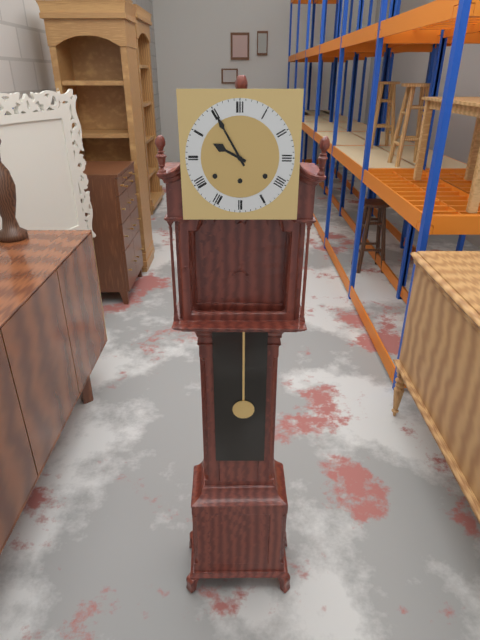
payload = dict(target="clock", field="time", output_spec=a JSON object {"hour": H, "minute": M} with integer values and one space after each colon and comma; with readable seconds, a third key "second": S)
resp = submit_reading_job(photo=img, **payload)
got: {"hour": 9, "minute": 55}
